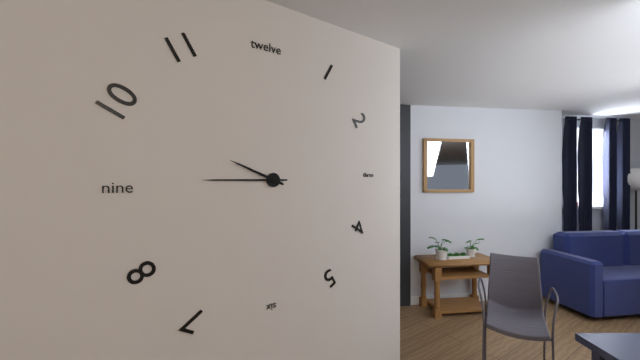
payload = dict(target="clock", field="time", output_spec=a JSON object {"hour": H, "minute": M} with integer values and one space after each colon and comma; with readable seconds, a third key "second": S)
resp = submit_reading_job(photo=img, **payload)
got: {"hour": 9, "minute": 45}
